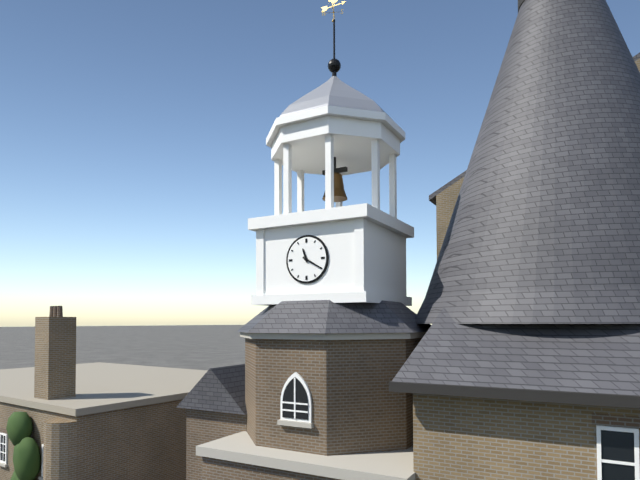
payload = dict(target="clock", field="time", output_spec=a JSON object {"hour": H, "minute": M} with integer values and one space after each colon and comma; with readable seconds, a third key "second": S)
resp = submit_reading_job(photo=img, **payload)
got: {"hour": 11, "minute": 20}
